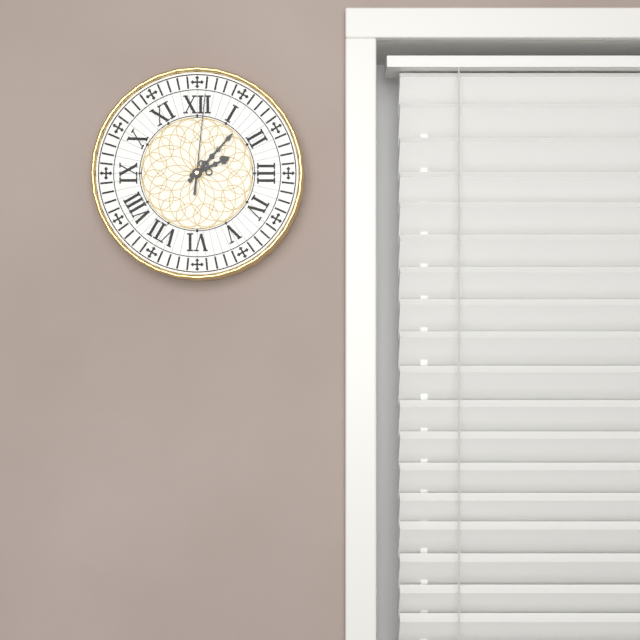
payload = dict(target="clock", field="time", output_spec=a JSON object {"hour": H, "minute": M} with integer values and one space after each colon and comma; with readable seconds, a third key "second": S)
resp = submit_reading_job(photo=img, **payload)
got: {"hour": 2, "minute": 7, "second": 1}
